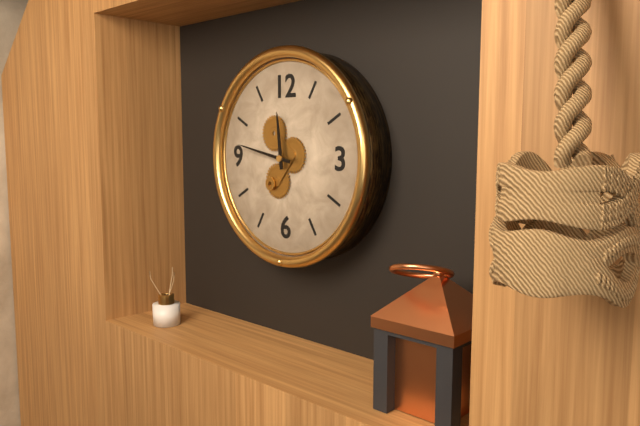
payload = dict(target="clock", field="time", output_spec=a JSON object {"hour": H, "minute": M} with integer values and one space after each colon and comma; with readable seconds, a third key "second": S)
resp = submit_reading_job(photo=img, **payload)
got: {"hour": 11, "minute": 47}
